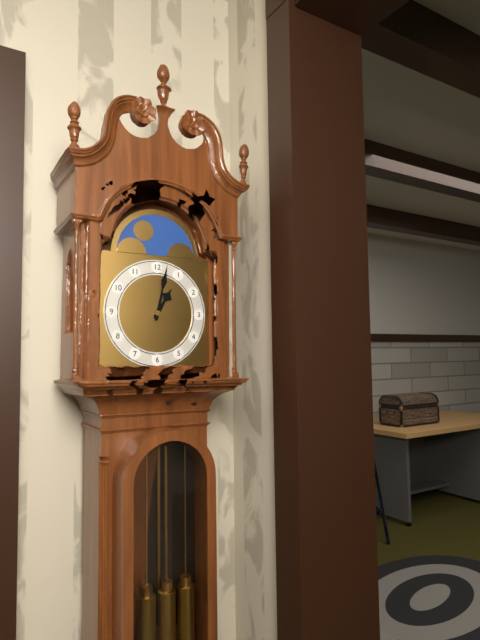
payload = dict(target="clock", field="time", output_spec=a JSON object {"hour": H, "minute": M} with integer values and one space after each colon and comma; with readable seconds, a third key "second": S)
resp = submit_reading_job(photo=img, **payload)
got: {"hour": 1, "minute": 2}
